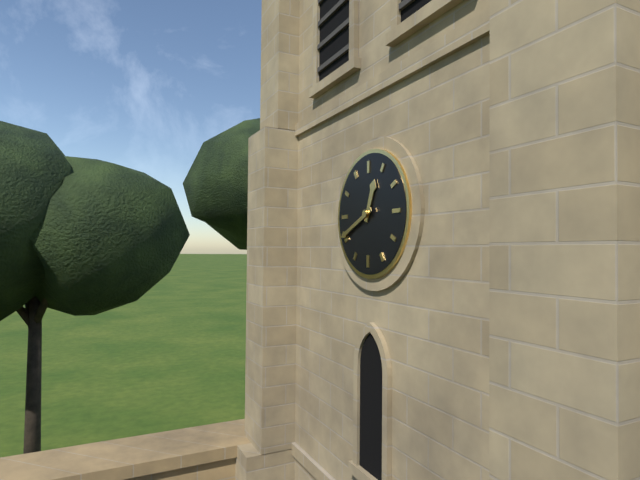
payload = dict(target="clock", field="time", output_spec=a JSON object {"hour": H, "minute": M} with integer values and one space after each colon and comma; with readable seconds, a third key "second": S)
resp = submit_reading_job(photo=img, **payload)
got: {"hour": 12, "minute": 41}
